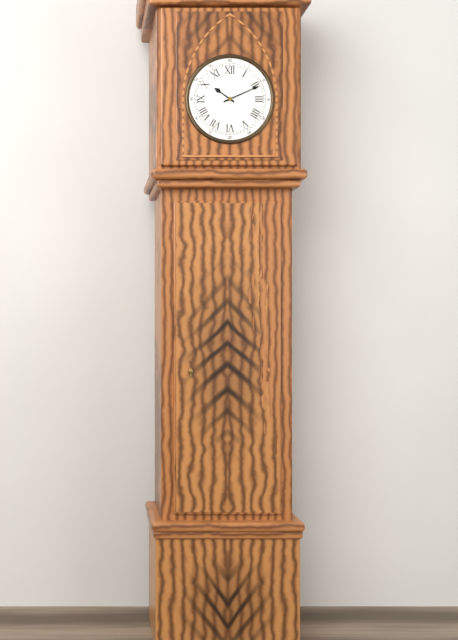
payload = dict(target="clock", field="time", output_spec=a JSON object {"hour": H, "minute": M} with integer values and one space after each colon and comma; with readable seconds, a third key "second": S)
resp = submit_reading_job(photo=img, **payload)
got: {"hour": 10, "minute": 11}
